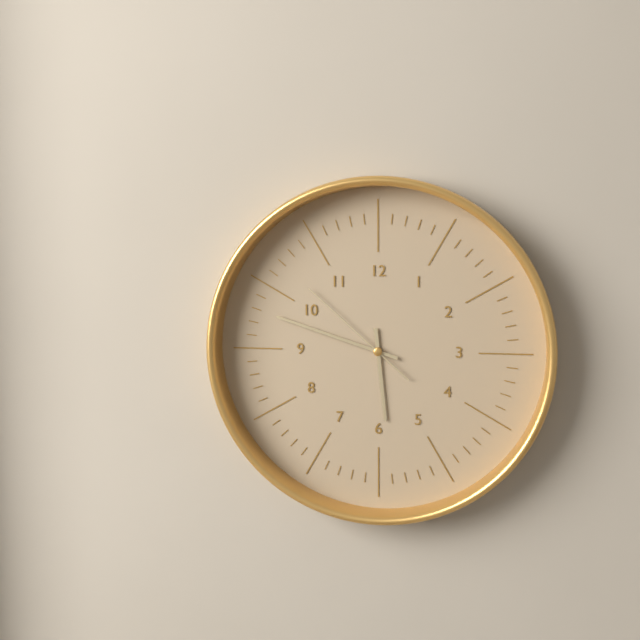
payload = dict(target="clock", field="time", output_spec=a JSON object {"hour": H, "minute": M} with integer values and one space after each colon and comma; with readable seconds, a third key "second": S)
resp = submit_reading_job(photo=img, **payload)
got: {"hour": 5, "minute": 48, "second": 52}
